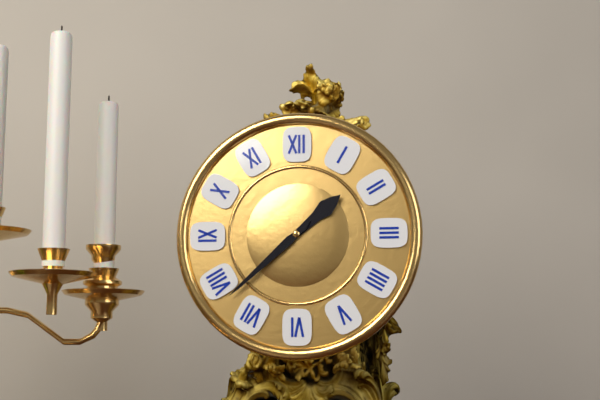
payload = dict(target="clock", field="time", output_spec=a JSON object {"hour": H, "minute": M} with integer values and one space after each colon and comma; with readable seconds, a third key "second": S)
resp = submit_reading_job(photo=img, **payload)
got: {"hour": 1, "minute": 38}
